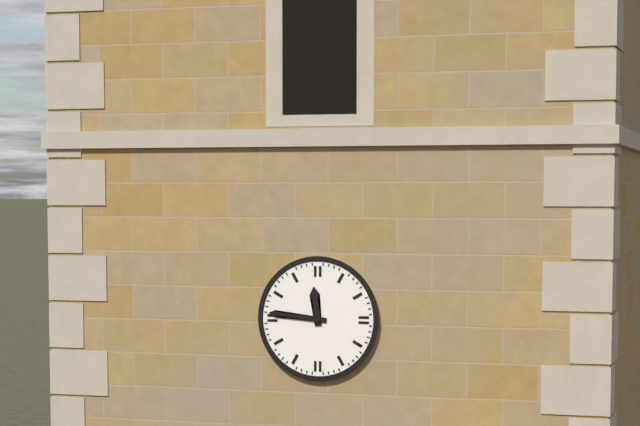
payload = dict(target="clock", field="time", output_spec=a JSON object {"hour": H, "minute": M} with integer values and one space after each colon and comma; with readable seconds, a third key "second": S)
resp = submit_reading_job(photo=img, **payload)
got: {"hour": 11, "minute": 46}
